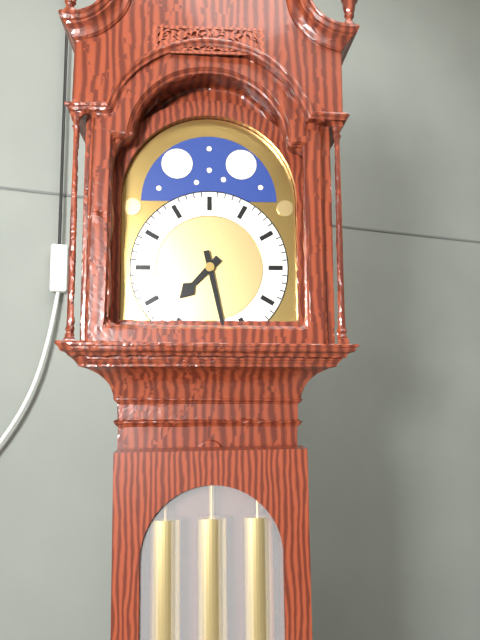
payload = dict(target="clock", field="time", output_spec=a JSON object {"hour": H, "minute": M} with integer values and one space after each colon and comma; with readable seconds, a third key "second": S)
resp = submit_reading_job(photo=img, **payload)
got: {"hour": 7, "minute": 28}
